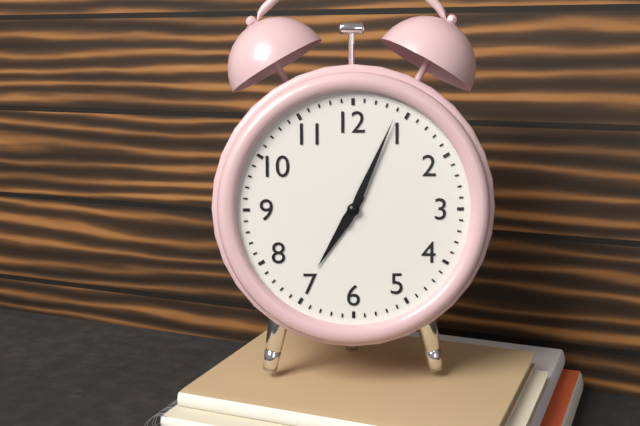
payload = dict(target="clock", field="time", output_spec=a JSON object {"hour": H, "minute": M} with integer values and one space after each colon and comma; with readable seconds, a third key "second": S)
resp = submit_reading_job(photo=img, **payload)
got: {"hour": 7, "minute": 4}
